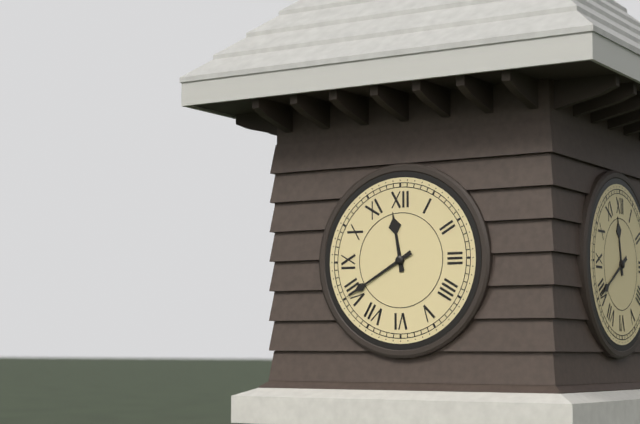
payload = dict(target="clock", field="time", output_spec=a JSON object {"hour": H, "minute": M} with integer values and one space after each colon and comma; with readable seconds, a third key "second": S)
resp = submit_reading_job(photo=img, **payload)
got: {"hour": 11, "minute": 40}
